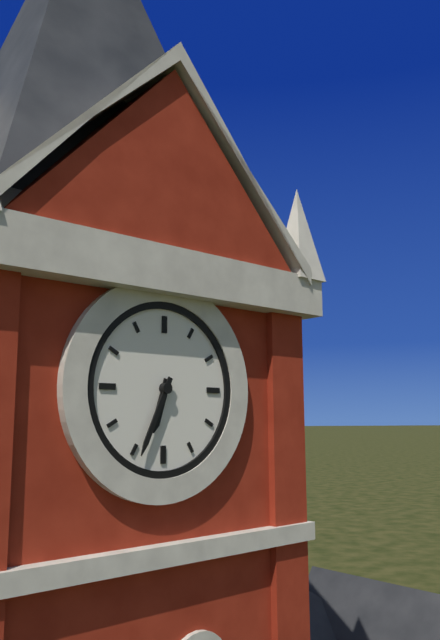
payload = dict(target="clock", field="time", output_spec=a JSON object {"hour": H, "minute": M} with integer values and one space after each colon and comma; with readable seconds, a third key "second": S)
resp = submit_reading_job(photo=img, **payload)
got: {"hour": 6, "minute": 34}
